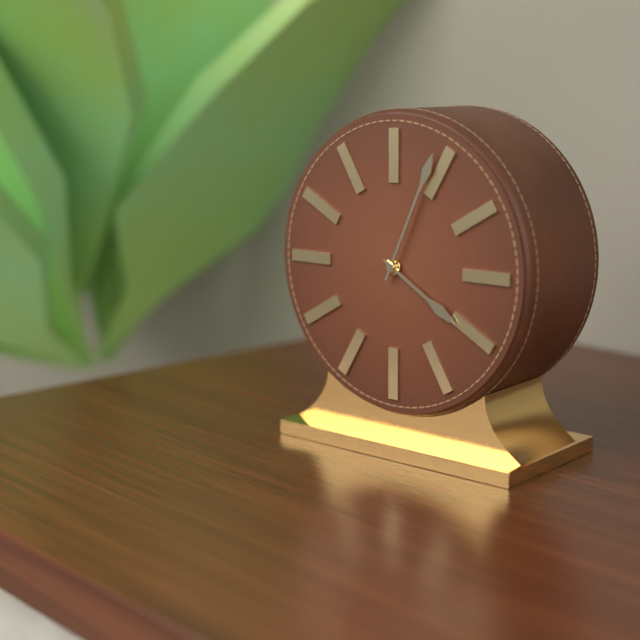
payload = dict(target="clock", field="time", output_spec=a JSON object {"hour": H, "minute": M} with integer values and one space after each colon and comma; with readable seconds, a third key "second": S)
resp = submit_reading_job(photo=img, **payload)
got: {"hour": 4, "minute": 4}
